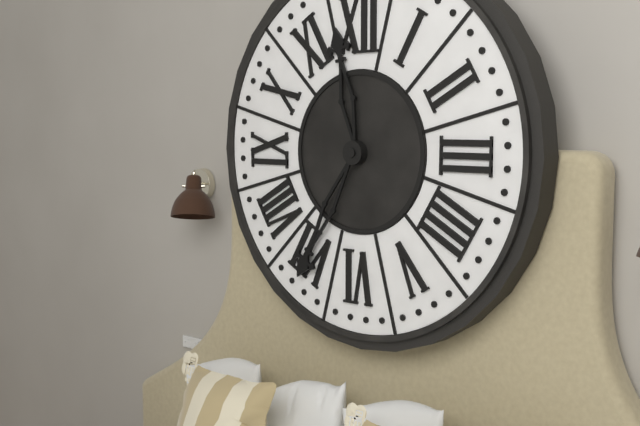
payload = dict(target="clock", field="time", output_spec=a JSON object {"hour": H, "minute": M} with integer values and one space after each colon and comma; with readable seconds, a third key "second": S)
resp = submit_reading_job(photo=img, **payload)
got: {"hour": 11, "minute": 35}
